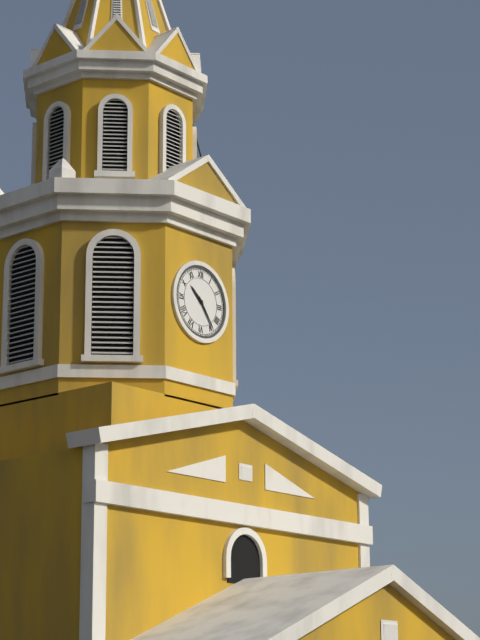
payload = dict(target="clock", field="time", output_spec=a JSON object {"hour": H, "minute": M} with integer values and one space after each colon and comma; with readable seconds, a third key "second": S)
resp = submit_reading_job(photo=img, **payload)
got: {"hour": 10, "minute": 24}
